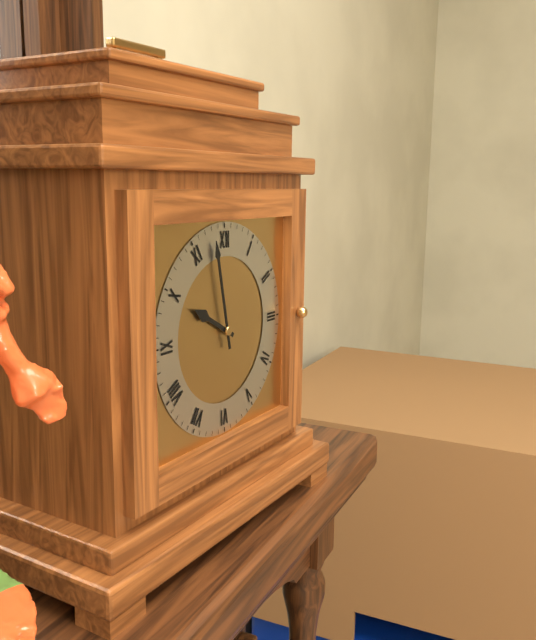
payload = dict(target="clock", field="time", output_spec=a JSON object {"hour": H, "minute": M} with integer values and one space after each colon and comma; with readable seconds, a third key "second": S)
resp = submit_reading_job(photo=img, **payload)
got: {"hour": 9, "minute": 58}
